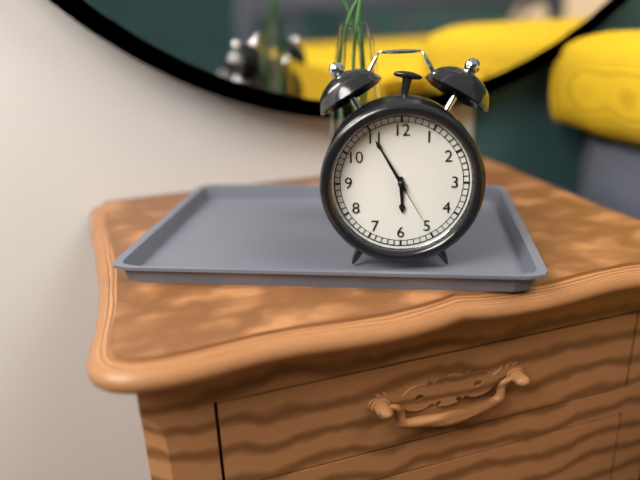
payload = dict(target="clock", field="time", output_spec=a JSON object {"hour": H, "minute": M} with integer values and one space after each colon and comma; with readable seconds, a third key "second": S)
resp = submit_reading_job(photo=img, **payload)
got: {"hour": 5, "minute": 55, "second": 25}
